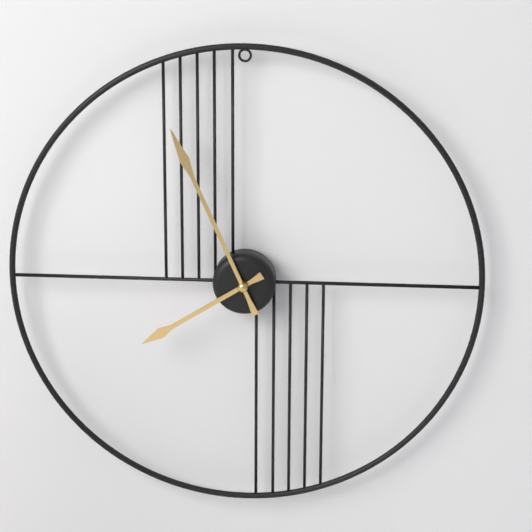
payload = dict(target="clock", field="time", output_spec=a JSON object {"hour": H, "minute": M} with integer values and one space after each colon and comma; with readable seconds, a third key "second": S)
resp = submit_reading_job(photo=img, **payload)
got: {"hour": 7, "minute": 56}
